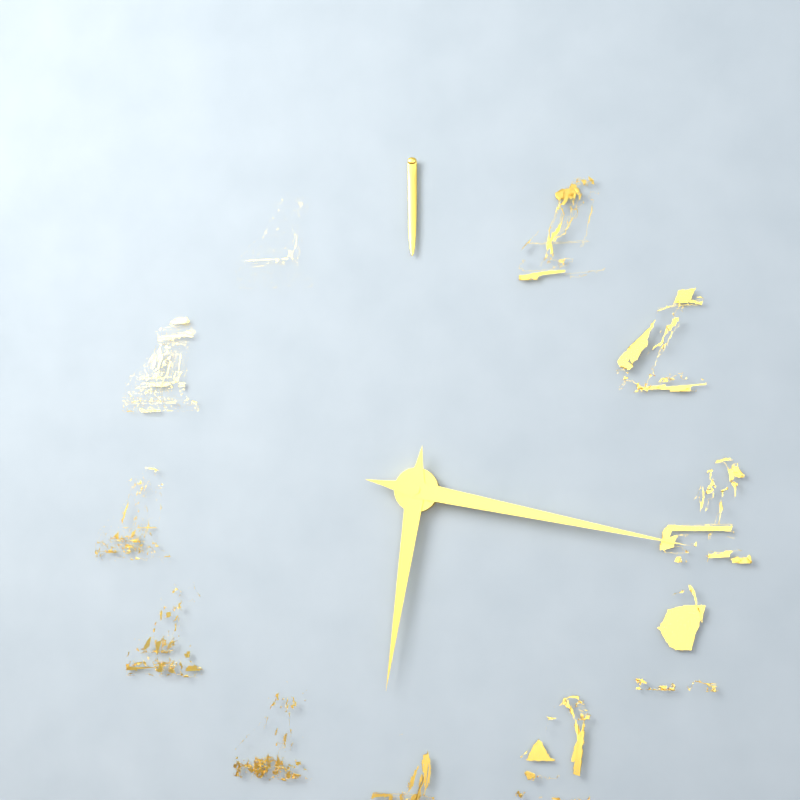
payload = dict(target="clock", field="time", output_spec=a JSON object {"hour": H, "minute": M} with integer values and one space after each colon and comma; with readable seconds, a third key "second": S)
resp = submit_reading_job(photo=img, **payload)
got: {"hour": 6, "minute": 17}
